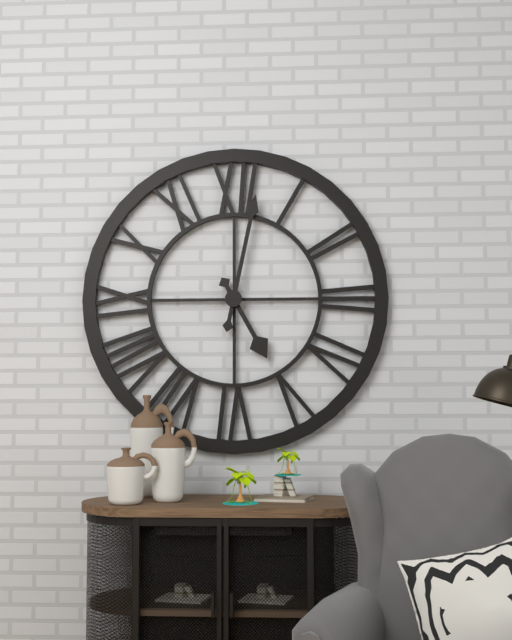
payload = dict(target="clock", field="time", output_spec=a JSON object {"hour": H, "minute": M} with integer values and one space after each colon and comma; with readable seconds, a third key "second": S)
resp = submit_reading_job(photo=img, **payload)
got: {"hour": 5, "minute": 2}
